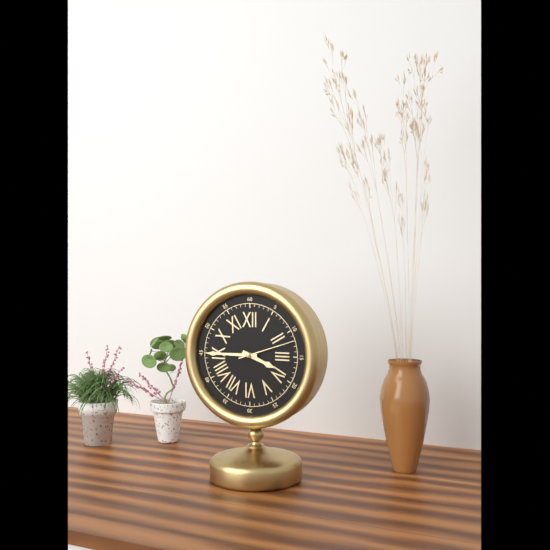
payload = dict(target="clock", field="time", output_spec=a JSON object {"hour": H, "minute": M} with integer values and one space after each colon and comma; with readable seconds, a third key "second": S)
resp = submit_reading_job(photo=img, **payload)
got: {"hour": 3, "minute": 45, "second": 12}
